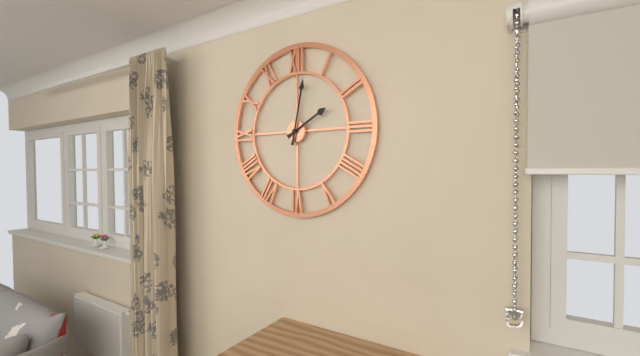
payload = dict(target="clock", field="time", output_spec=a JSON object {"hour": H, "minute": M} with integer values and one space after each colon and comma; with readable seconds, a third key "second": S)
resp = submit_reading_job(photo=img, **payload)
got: {"hour": 2, "minute": 2}
